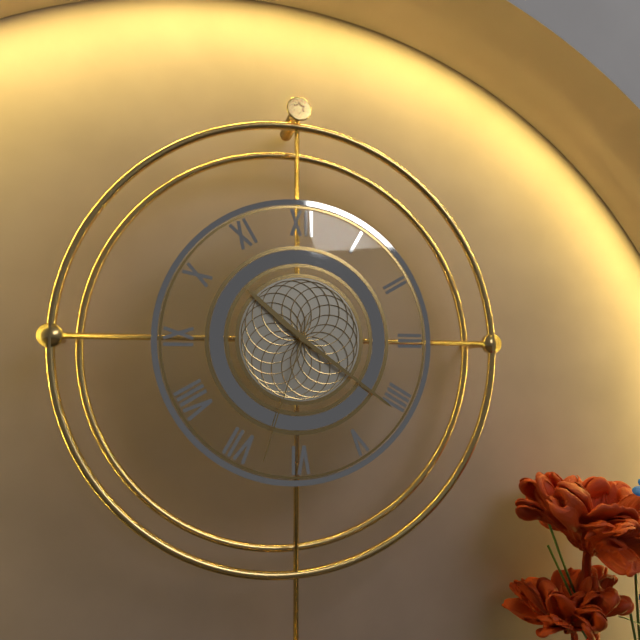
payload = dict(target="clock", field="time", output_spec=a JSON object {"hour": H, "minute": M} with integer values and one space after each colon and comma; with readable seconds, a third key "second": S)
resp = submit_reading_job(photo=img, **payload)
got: {"hour": 10, "minute": 21, "second": 33}
